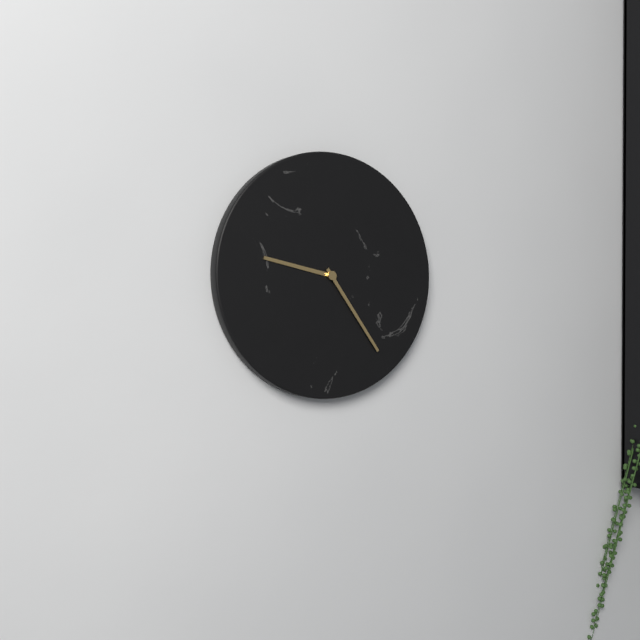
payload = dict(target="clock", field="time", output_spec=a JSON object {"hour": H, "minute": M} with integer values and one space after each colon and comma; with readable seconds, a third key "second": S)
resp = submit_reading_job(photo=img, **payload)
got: {"hour": 9, "minute": 24}
